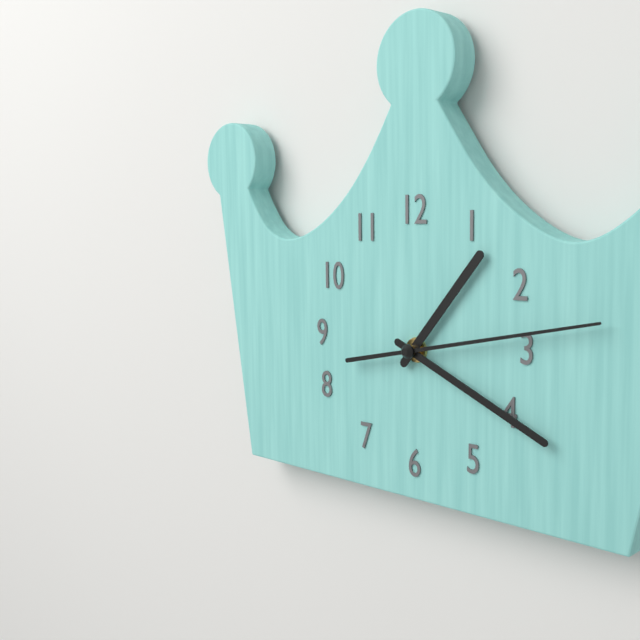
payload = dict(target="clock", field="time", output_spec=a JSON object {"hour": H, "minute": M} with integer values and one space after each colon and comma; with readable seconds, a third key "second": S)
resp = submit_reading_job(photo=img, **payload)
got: {"hour": 1, "minute": 19, "second": 13}
